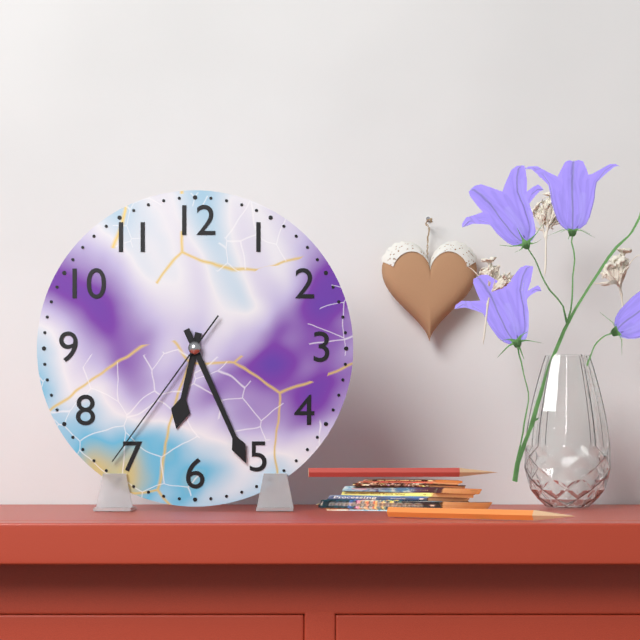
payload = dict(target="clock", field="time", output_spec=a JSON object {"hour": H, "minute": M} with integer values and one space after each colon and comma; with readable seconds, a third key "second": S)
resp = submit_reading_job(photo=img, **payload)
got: {"hour": 6, "minute": 26, "second": 36}
